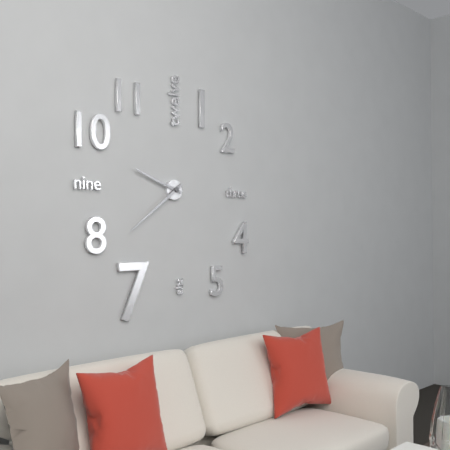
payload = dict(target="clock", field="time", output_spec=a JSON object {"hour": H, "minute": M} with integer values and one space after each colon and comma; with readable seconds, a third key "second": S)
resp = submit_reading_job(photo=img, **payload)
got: {"hour": 9, "minute": 39}
